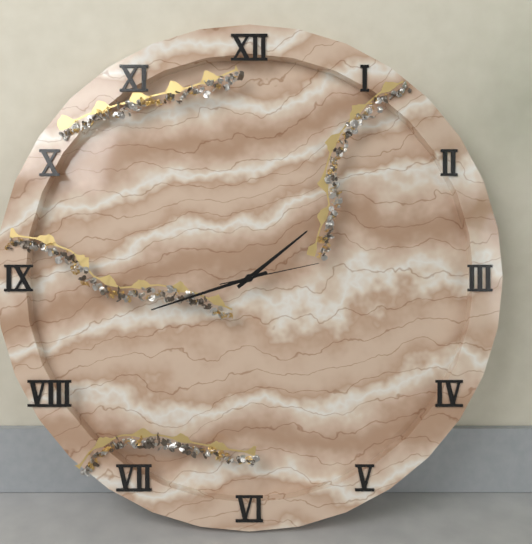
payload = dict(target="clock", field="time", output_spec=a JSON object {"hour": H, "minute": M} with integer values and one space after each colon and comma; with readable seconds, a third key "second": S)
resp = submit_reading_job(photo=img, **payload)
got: {"hour": 1, "minute": 42, "second": 13}
